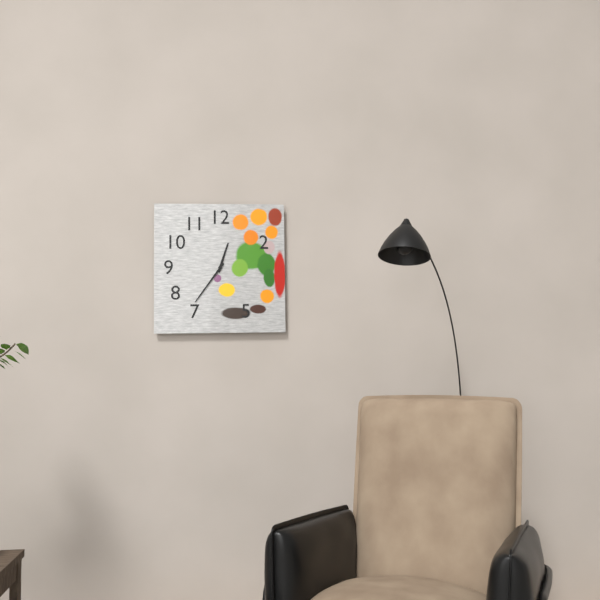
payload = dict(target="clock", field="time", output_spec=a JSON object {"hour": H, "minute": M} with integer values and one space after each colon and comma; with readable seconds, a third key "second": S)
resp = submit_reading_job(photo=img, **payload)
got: {"hour": 12, "minute": 36}
